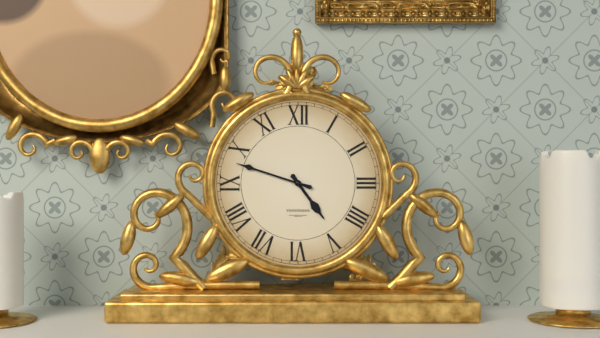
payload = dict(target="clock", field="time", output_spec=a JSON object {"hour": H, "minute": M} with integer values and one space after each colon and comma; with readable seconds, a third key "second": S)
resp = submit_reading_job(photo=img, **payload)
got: {"hour": 4, "minute": 48}
